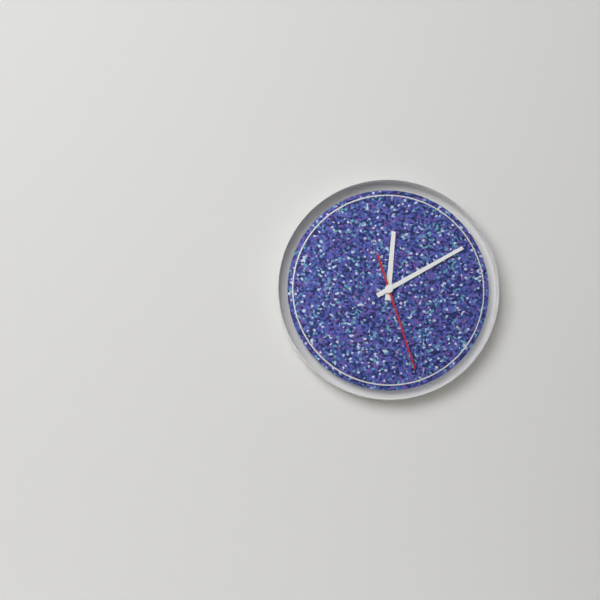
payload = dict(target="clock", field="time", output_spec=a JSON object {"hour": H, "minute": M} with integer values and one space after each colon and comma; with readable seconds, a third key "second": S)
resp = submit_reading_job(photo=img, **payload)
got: {"hour": 12, "minute": 10, "second": 27}
